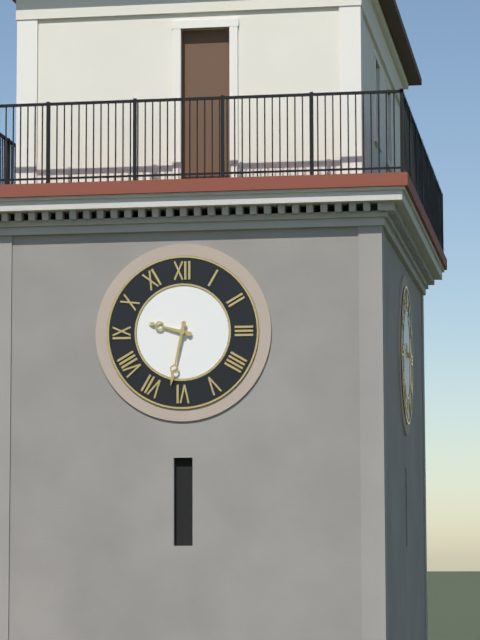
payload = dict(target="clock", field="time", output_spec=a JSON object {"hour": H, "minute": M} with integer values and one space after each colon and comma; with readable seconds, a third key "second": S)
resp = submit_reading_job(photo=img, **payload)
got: {"hour": 9, "minute": 32}
